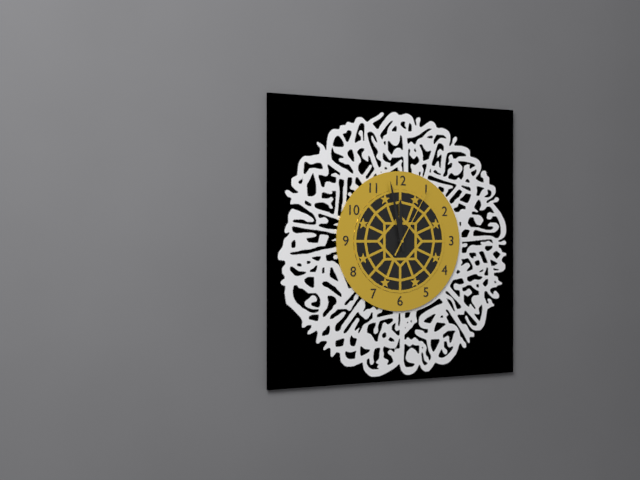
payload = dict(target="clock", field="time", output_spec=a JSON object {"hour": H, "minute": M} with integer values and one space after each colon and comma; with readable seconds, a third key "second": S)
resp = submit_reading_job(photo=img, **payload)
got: {"hour": 11, "minute": 58, "second": 5}
